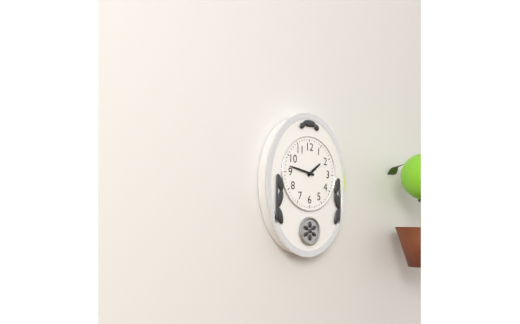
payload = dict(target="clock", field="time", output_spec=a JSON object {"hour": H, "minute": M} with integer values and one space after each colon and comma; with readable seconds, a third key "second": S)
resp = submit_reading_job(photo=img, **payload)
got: {"hour": 1, "minute": 47}
